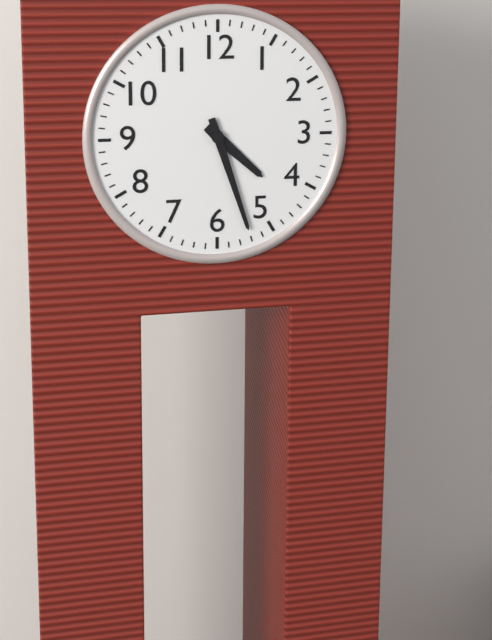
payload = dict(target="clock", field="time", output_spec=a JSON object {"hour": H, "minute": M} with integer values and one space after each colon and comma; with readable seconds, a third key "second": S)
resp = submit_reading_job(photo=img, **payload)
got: {"hour": 4, "minute": 27}
